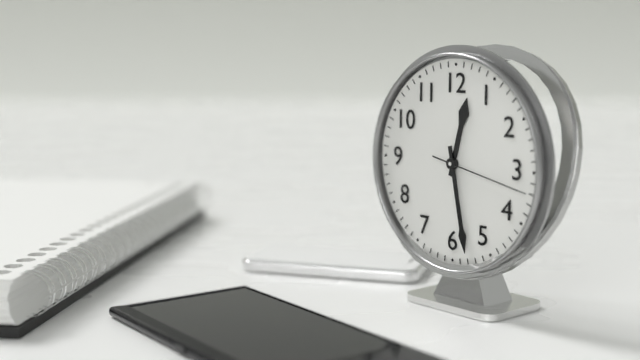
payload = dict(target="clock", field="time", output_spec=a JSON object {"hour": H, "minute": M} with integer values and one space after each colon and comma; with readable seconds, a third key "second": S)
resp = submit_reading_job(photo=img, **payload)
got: {"hour": 12, "minute": 28, "second": 17}
